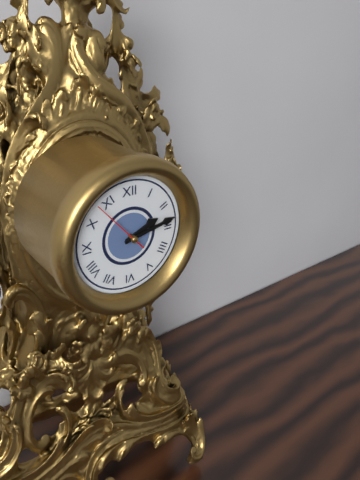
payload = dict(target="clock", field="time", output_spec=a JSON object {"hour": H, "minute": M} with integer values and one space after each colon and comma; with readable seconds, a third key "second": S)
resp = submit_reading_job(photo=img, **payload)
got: {"hour": 2, "minute": 13, "second": 53}
